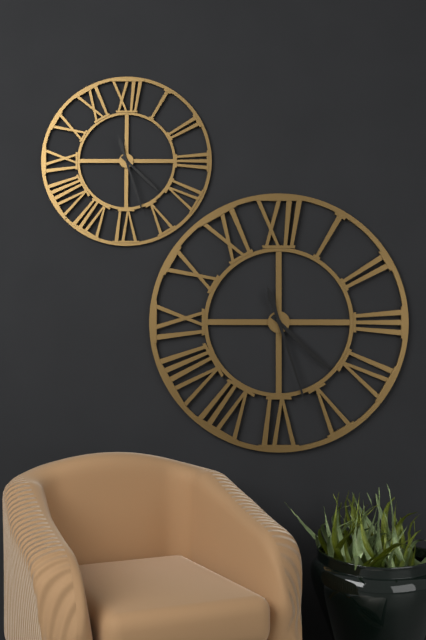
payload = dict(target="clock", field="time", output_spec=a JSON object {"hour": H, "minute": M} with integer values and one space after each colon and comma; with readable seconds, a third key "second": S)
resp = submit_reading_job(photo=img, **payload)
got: {"hour": 4, "minute": 27}
